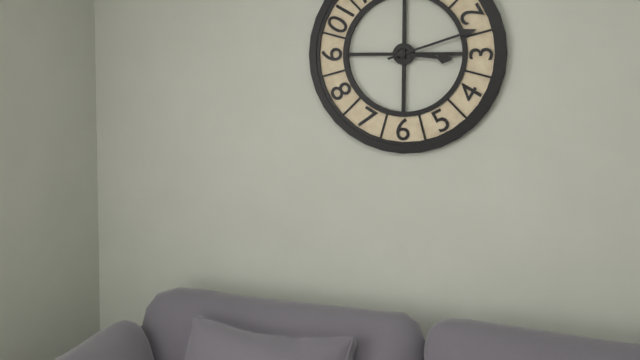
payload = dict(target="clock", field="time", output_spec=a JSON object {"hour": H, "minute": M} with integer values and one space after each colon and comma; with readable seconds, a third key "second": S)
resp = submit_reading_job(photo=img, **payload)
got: {"hour": 3, "minute": 12}
